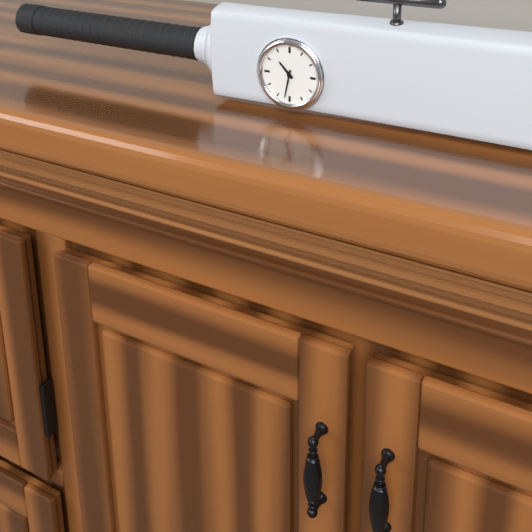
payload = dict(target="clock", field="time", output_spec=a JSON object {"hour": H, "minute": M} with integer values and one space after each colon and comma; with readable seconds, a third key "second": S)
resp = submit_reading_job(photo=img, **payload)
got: {"hour": 10, "minute": 32}
